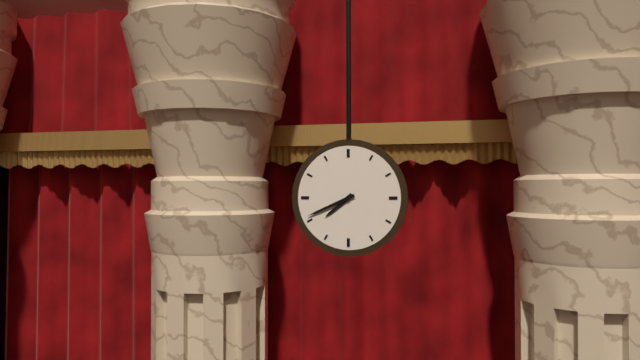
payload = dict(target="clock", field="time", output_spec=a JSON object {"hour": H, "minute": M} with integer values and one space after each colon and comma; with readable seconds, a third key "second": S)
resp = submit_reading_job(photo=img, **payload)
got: {"hour": 7, "minute": 41}
